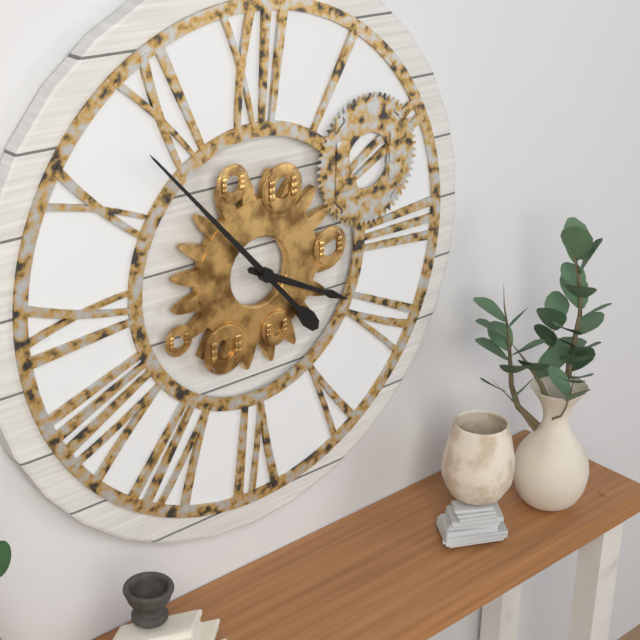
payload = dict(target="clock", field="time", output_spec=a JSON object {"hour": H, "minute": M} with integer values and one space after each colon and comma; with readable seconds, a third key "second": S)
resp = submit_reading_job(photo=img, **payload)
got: {"hour": 3, "minute": 53}
